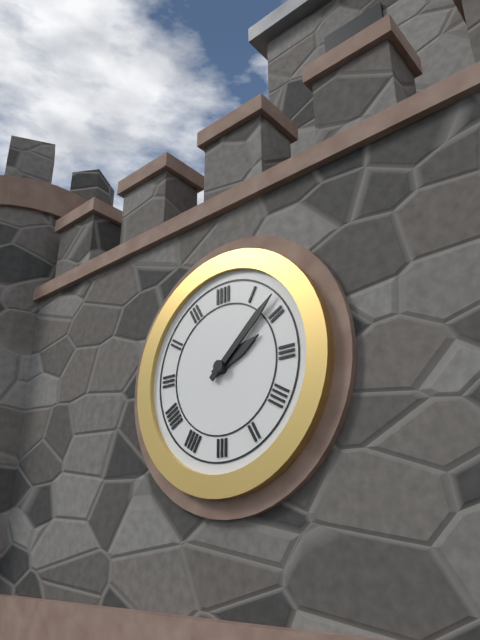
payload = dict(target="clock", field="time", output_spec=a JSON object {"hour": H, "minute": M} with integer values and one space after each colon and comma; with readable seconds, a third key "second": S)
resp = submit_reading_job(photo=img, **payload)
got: {"hour": 2, "minute": 8}
